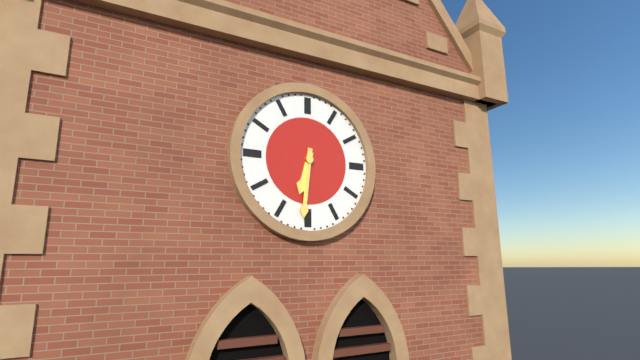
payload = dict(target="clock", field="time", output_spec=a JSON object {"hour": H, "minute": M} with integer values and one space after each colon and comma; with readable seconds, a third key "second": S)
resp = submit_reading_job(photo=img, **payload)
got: {"hour": 6, "minute": 31}
